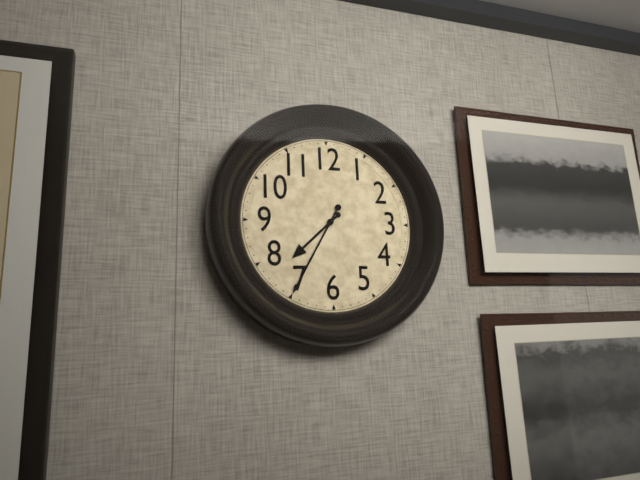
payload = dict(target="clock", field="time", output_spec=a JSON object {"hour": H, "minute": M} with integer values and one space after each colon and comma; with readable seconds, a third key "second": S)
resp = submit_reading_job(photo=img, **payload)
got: {"hour": 7, "minute": 35}
